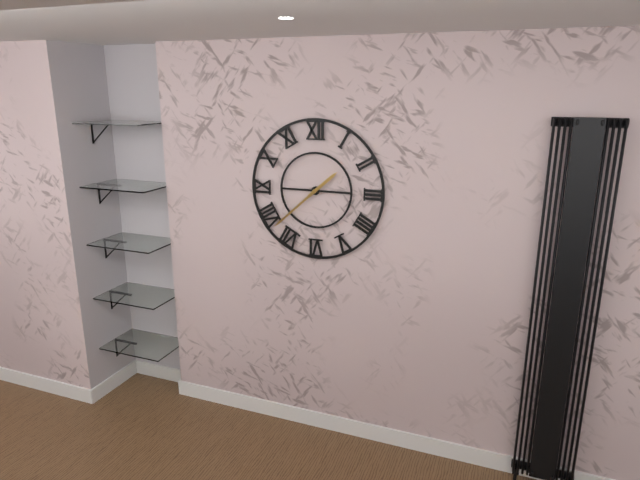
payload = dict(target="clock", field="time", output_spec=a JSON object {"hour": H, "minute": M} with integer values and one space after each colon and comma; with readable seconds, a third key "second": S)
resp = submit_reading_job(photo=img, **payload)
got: {"hour": 1, "minute": 38}
